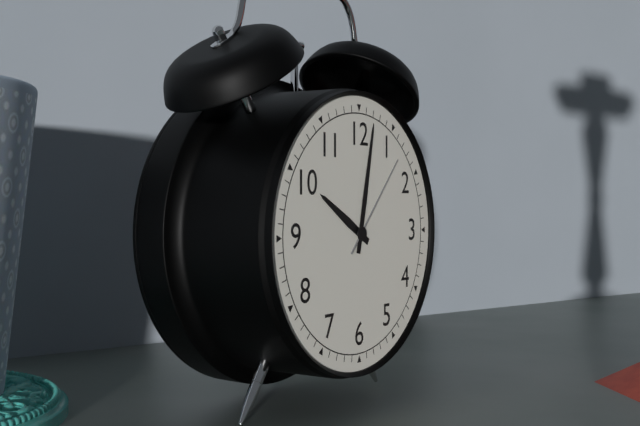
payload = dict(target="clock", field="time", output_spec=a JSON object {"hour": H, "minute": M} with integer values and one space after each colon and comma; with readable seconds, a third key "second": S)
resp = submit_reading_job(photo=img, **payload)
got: {"hour": 10, "minute": 2, "second": 7}
